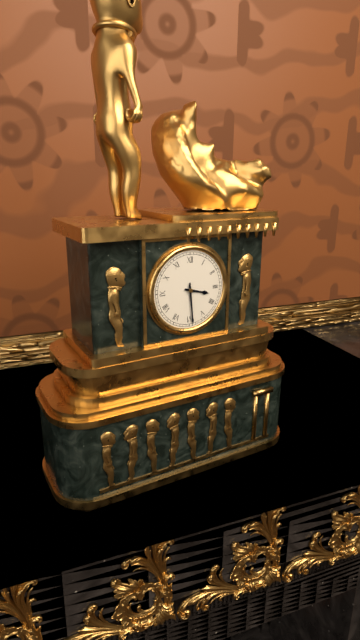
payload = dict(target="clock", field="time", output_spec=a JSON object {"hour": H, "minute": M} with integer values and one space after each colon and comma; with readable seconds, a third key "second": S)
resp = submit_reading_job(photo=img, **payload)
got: {"hour": 3, "minute": 29}
